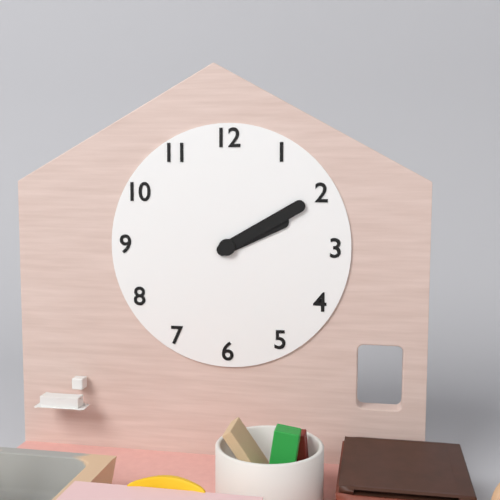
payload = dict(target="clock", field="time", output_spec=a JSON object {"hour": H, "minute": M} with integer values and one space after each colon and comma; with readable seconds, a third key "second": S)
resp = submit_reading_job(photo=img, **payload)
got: {"hour": 2, "minute": 10}
